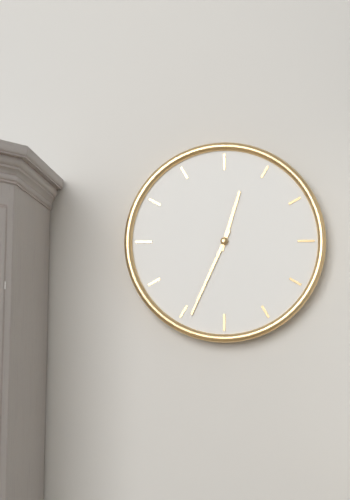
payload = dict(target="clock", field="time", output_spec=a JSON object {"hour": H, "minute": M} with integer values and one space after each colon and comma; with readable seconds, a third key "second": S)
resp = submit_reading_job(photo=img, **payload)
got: {"hour": 12, "minute": 34}
